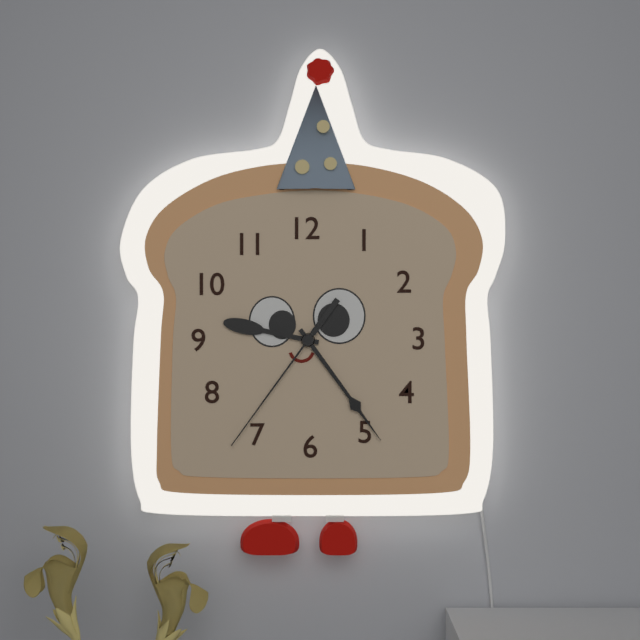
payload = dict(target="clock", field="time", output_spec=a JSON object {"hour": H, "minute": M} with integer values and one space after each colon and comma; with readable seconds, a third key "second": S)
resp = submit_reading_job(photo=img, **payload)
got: {"hour": 9, "minute": 24, "second": 36}
